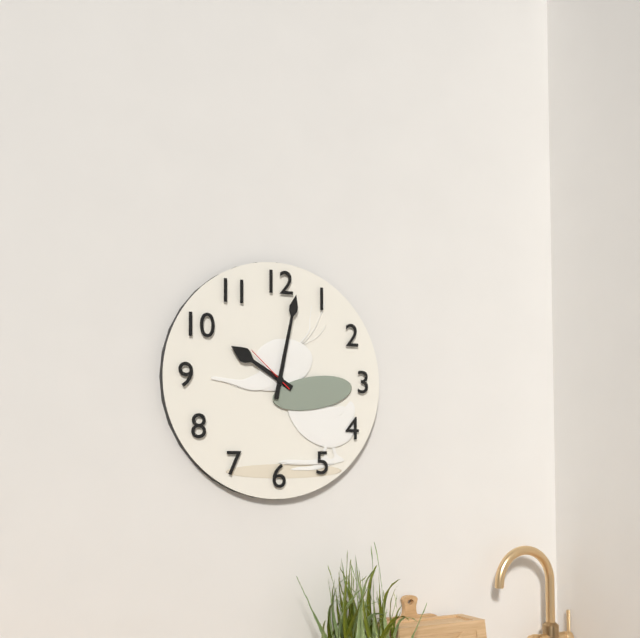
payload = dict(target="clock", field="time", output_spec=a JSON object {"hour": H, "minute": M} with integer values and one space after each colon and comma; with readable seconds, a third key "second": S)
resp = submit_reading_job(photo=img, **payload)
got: {"hour": 10, "minute": 2, "second": 52}
